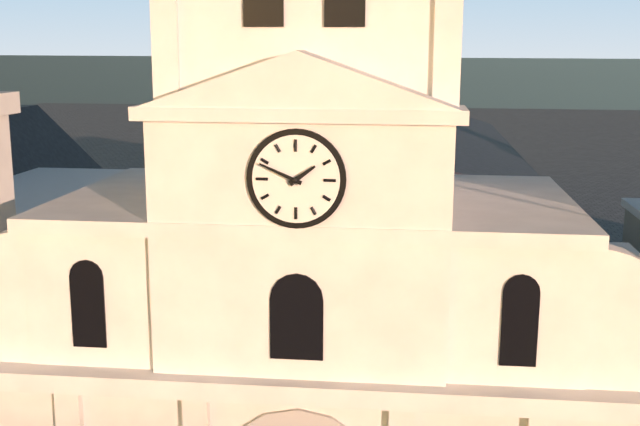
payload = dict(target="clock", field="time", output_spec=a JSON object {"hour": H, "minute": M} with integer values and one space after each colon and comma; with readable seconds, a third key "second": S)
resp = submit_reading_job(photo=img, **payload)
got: {"hour": 1, "minute": 49}
